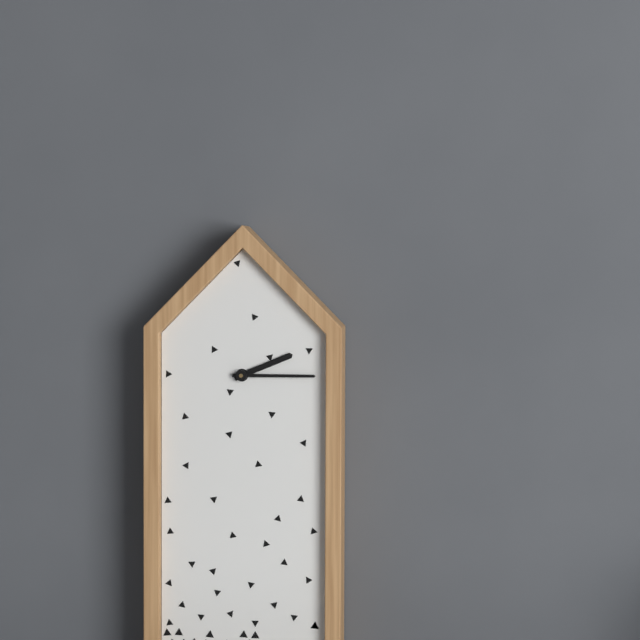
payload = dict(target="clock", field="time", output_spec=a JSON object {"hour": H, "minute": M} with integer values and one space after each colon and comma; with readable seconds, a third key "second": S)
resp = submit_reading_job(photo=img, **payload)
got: {"hour": 2, "minute": 15}
